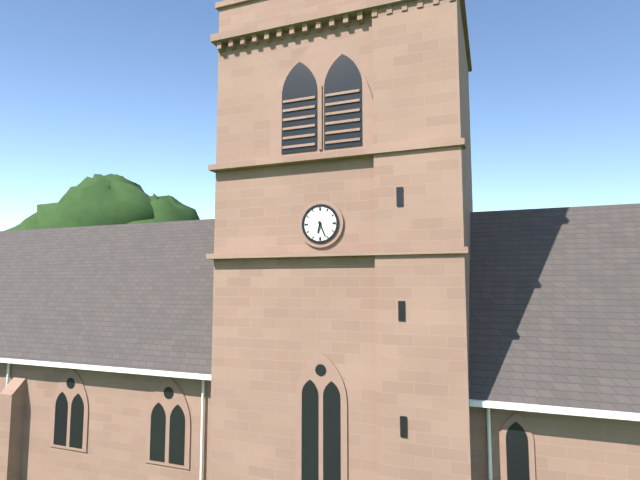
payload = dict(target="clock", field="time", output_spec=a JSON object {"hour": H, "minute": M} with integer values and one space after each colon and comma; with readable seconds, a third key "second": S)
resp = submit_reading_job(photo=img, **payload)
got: {"hour": 6, "minute": 26}
